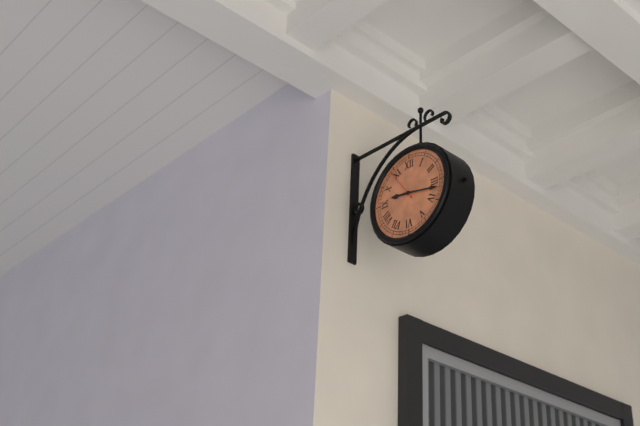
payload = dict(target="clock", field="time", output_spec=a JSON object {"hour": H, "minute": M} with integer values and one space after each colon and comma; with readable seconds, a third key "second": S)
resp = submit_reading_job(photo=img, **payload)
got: {"hour": 9, "minute": 17}
